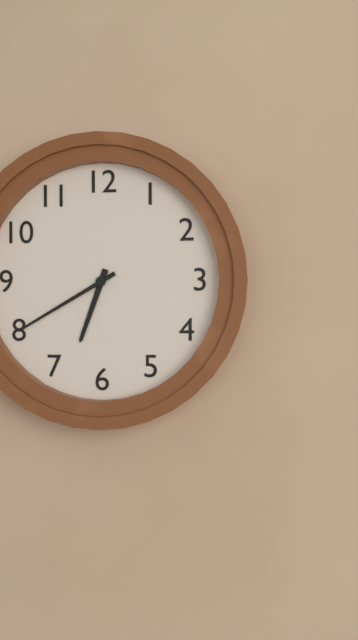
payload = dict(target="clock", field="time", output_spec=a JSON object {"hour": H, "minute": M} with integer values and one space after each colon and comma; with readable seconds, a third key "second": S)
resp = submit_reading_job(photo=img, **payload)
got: {"hour": 6, "minute": 40}
